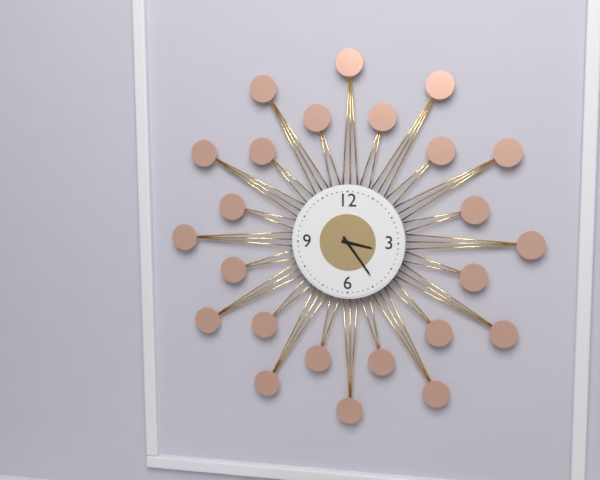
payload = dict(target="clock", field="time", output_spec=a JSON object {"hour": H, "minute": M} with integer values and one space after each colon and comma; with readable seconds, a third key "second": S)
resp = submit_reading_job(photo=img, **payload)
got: {"hour": 3, "minute": 24}
